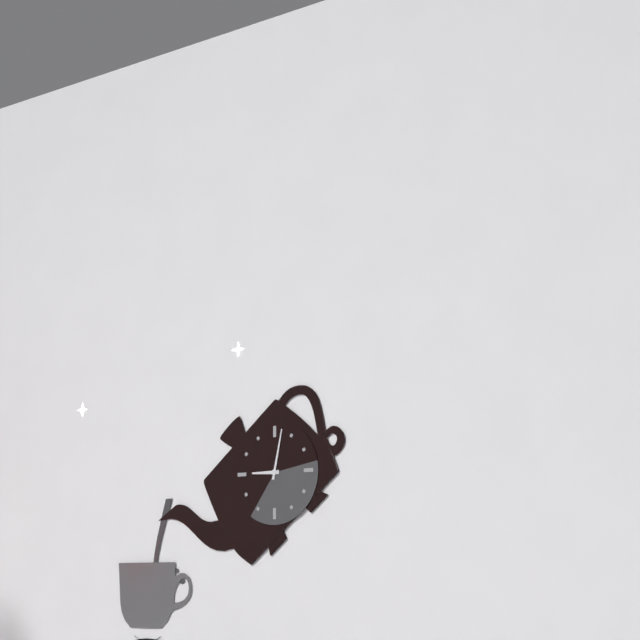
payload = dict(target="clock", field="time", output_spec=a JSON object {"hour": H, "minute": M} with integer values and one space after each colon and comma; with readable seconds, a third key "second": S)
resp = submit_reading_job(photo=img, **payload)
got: {"hour": 9, "minute": 2}
